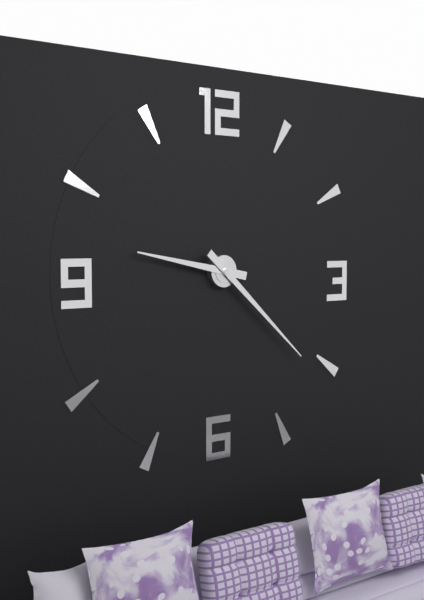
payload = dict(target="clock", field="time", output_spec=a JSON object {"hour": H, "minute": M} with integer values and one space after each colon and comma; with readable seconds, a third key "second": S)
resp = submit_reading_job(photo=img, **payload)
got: {"hour": 9, "minute": 22}
